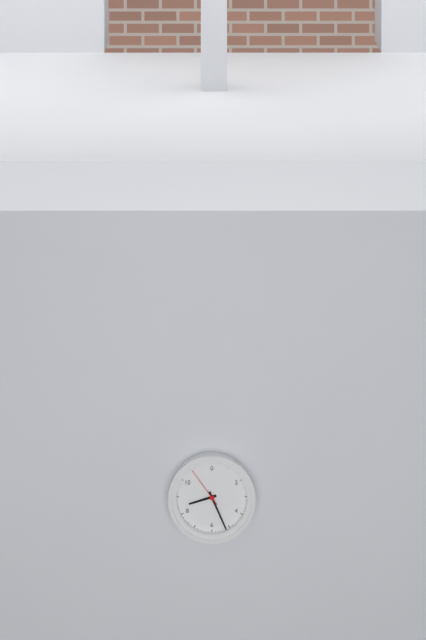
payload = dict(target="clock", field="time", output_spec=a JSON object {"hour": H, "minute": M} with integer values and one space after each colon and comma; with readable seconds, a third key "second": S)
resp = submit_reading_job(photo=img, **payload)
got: {"hour": 8, "minute": 26}
